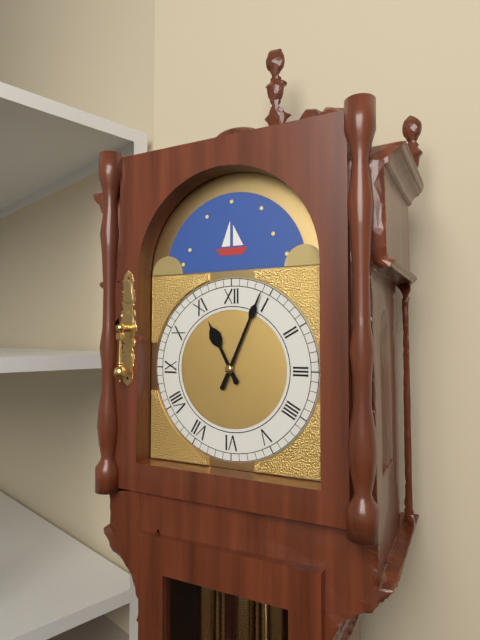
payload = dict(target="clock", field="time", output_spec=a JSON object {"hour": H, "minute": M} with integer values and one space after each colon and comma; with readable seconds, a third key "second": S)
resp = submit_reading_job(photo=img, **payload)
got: {"hour": 11, "minute": 4}
